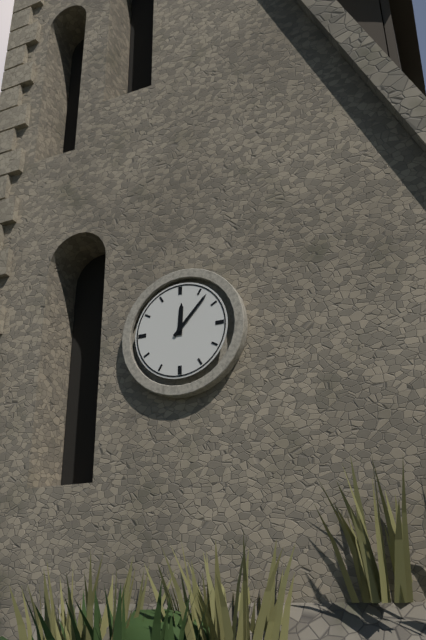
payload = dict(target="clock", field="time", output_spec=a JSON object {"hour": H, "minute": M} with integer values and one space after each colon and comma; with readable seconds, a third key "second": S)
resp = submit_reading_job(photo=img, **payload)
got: {"hour": 12, "minute": 7}
